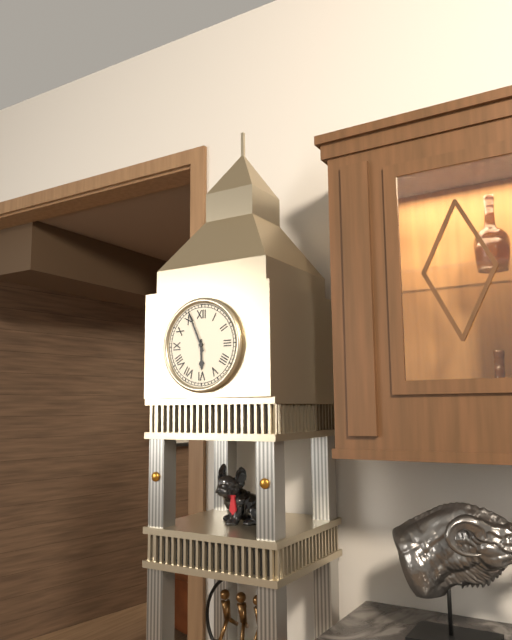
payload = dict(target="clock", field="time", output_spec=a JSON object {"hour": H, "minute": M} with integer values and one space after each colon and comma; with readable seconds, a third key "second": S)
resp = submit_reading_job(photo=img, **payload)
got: {"hour": 5, "minute": 56}
